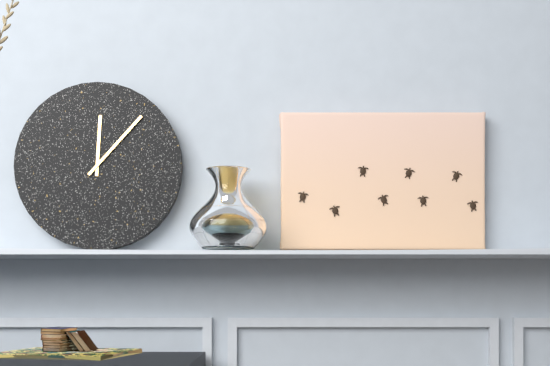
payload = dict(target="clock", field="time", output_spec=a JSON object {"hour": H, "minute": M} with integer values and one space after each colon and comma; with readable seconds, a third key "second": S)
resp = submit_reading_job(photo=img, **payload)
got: {"hour": 12, "minute": 7}
